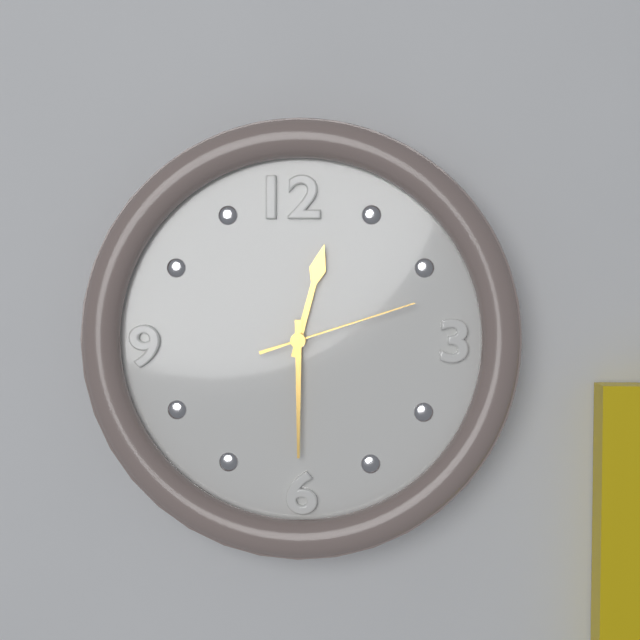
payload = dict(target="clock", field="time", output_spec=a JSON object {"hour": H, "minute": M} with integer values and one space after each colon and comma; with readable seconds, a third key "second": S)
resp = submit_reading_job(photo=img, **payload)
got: {"hour": 12, "minute": 30, "second": 12}
